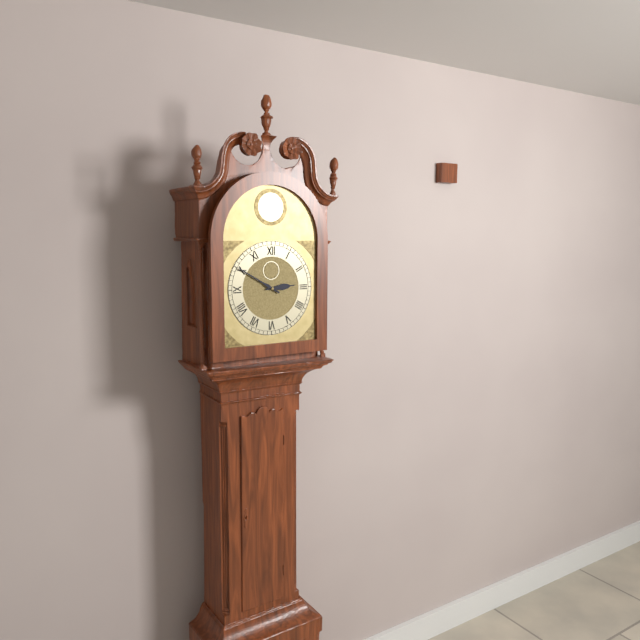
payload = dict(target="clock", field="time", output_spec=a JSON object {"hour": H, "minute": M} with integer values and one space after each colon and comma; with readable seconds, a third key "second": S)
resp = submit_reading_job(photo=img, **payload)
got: {"hour": 2, "minute": 50}
